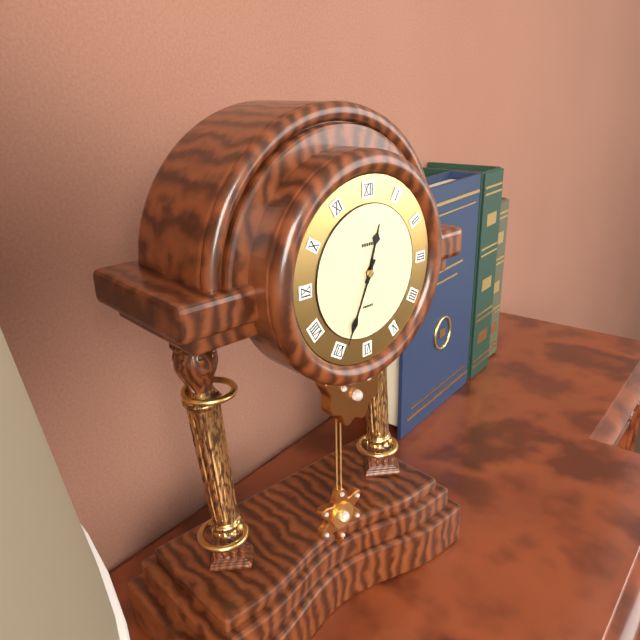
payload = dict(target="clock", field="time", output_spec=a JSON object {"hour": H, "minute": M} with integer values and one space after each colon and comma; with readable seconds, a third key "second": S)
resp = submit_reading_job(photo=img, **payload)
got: {"hour": 12, "minute": 34}
